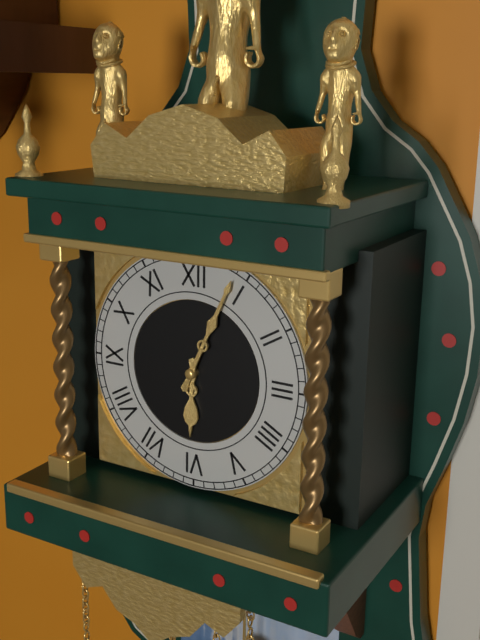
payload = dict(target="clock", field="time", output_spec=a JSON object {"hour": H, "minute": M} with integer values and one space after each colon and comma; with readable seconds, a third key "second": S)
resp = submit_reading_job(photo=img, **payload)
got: {"hour": 6, "minute": 4}
